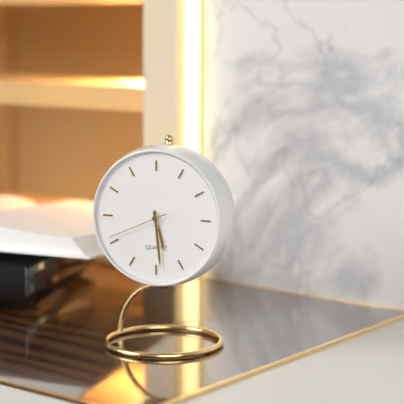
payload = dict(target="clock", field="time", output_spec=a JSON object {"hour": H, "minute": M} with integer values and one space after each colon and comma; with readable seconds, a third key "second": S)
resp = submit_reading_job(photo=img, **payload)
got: {"hour": 5, "minute": 29, "second": 41}
